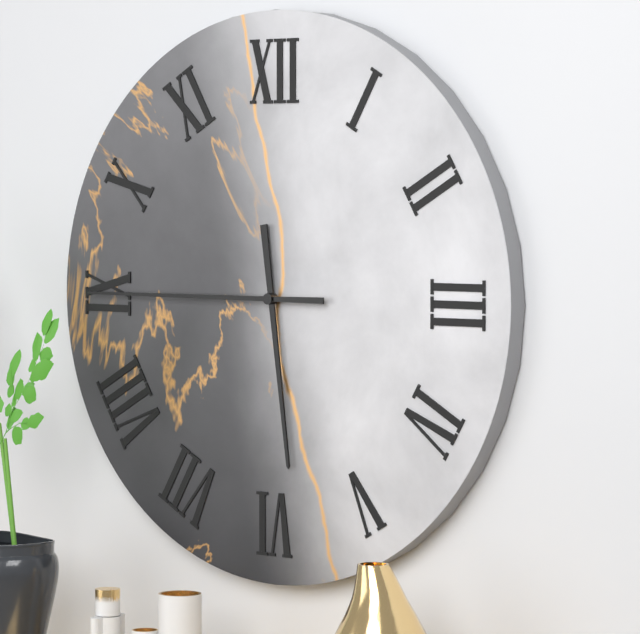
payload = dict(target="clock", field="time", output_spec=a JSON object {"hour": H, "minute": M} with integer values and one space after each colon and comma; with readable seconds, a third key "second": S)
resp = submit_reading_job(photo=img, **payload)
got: {"hour": 5, "minute": 45}
